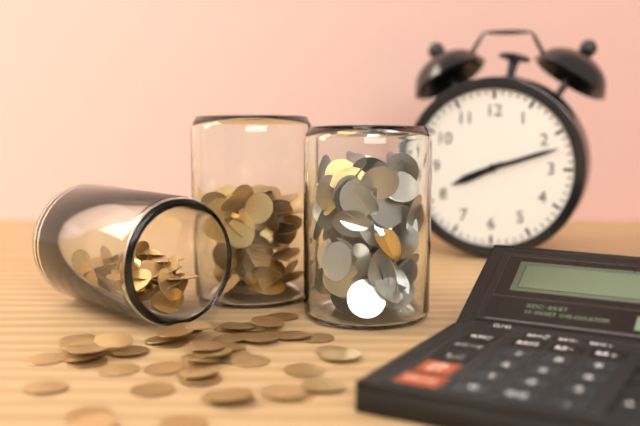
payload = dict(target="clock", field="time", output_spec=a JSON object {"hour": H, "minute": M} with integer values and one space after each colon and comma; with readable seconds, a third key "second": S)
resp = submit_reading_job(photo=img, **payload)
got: {"hour": 8, "minute": 12}
